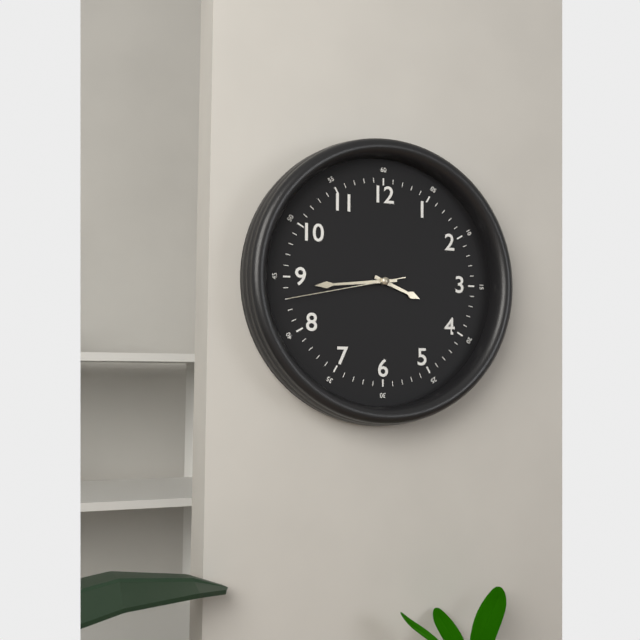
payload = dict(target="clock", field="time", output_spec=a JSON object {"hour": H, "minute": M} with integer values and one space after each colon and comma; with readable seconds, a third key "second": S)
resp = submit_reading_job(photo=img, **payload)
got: {"hour": 3, "minute": 44, "second": 43}
